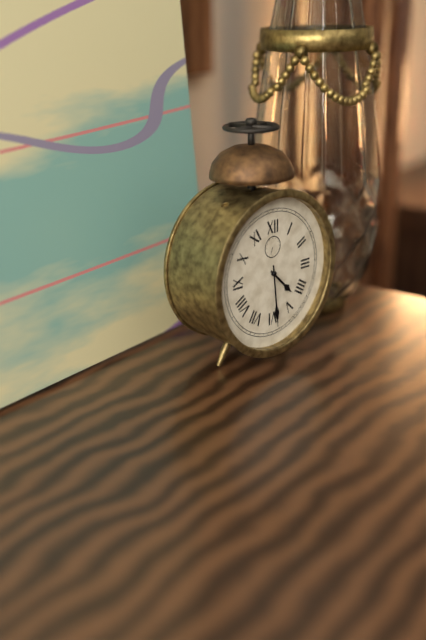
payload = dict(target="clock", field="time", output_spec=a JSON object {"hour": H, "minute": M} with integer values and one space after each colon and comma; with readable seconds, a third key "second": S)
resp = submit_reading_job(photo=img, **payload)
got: {"hour": 4, "minute": 29}
